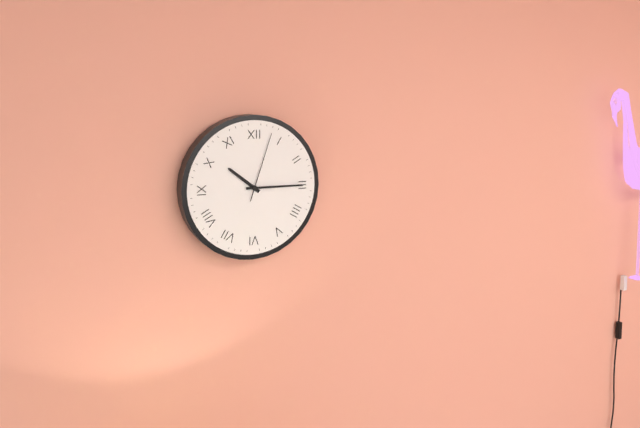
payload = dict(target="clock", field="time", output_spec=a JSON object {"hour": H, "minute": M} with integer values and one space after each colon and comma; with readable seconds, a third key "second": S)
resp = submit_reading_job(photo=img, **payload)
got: {"hour": 10, "minute": 15, "second": 3}
